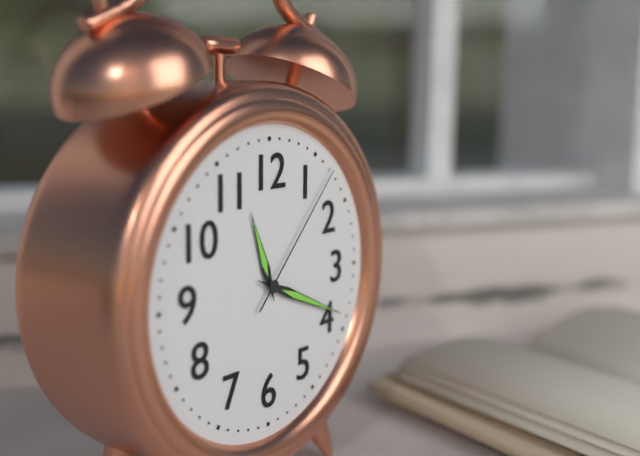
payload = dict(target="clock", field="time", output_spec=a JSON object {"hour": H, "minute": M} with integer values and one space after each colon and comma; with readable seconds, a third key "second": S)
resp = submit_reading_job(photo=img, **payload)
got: {"hour": 11, "minute": 19, "second": 7}
